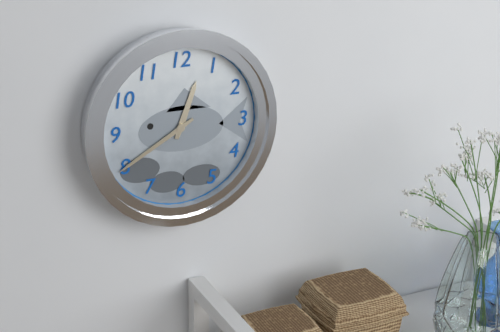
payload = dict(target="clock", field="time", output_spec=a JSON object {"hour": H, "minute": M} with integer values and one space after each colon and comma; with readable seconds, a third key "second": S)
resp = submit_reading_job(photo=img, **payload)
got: {"hour": 12, "minute": 40}
